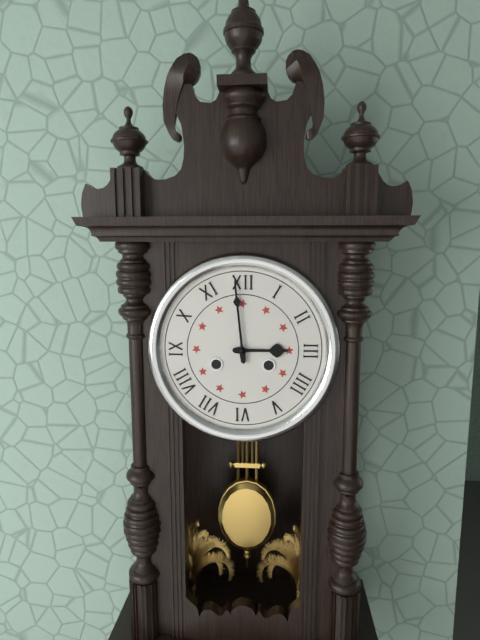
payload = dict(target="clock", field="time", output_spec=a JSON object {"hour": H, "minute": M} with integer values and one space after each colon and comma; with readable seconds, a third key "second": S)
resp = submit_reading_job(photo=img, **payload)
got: {"hour": 2, "minute": 59}
